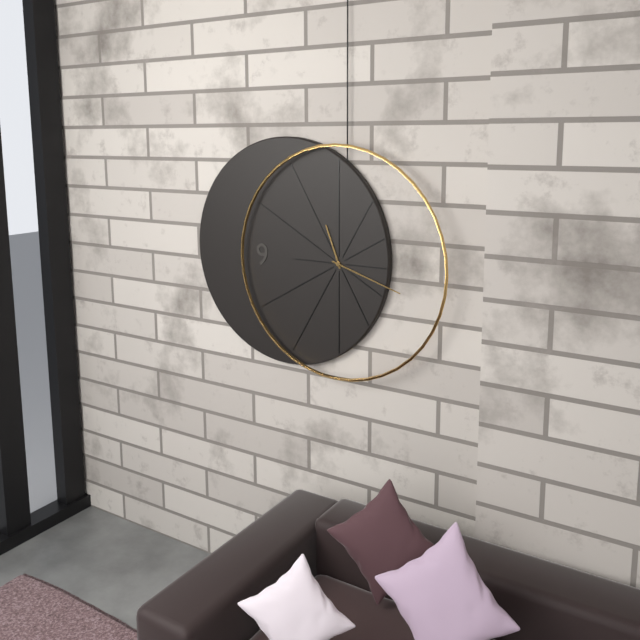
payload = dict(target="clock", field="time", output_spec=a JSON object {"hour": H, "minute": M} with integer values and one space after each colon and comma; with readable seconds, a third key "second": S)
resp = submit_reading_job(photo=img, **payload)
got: {"hour": 11, "minute": 18}
